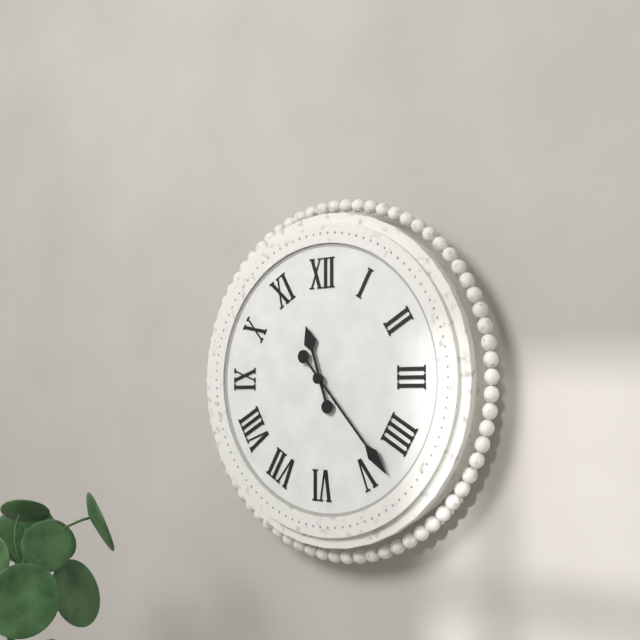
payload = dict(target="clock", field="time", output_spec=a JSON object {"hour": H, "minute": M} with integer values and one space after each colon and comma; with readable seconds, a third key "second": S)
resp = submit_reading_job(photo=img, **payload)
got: {"hour": 11, "minute": 23}
